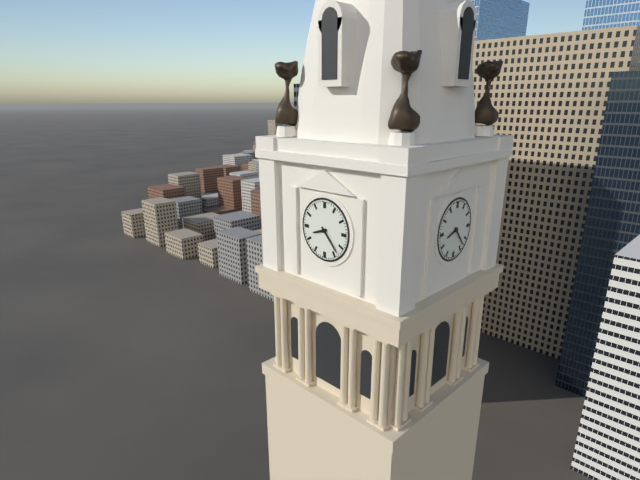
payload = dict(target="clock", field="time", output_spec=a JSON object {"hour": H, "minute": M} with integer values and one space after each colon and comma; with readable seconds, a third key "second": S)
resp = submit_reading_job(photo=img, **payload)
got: {"hour": 8, "minute": 23}
